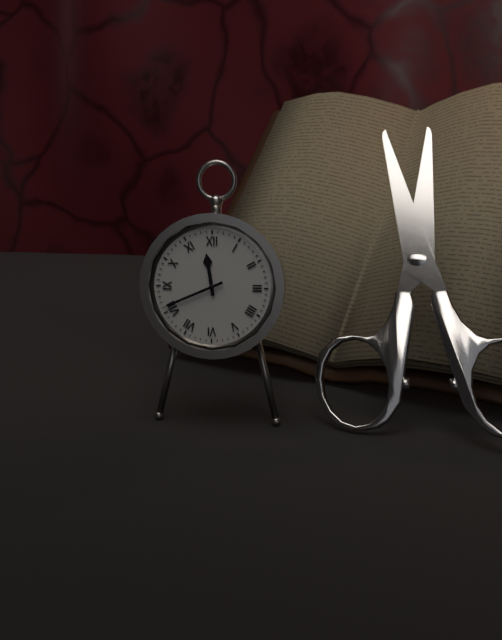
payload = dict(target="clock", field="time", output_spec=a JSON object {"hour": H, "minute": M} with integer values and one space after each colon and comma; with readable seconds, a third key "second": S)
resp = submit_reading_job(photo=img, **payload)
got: {"hour": 11, "minute": 41}
